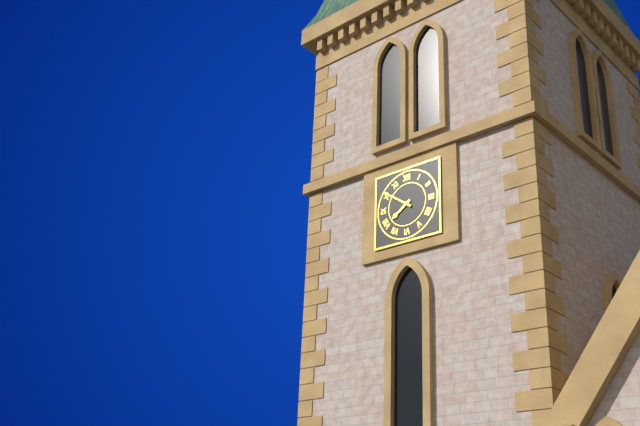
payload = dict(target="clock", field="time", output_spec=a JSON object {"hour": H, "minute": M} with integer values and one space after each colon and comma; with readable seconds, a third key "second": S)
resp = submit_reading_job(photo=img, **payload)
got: {"hour": 7, "minute": 51}
